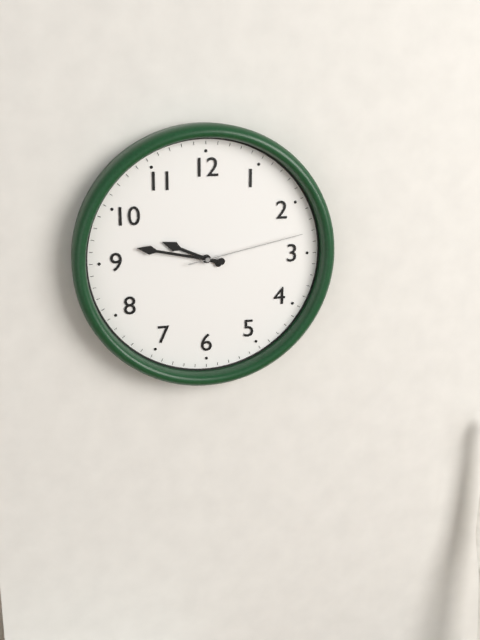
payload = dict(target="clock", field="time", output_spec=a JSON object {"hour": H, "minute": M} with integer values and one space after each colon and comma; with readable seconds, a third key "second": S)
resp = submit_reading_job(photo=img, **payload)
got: {"hour": 9, "minute": 47, "second": 13}
